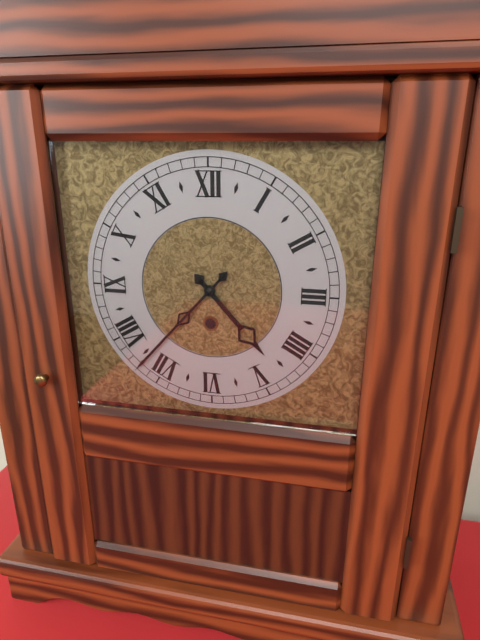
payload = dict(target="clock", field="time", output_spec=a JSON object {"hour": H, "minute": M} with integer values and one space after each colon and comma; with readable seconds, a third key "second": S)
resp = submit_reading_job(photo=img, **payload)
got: {"hour": 4, "minute": 37}
